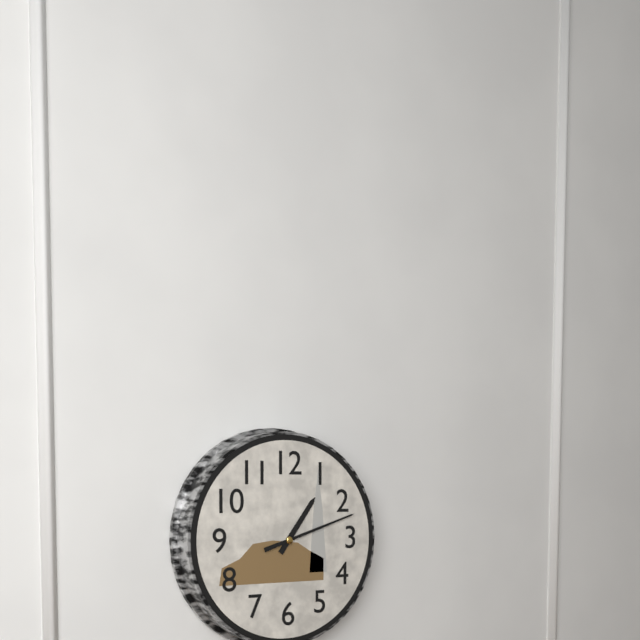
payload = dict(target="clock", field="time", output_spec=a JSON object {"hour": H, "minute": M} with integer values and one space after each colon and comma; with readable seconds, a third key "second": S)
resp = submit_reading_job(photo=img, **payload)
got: {"hour": 1, "minute": 12}
